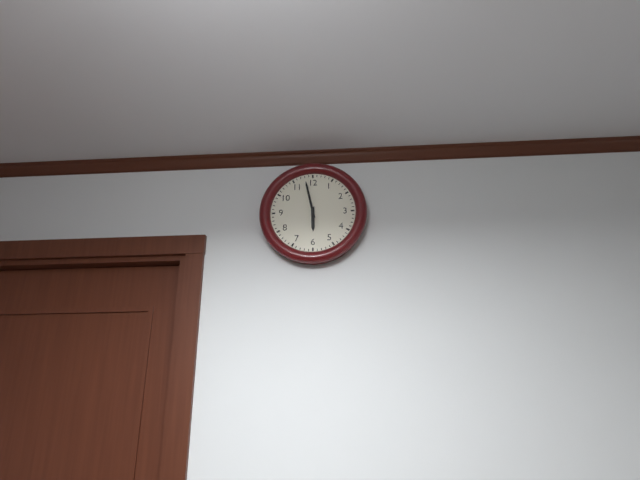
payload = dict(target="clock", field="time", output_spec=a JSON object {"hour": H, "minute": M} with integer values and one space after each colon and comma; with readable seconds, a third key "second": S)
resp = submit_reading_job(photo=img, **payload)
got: {"hour": 5, "minute": 58}
